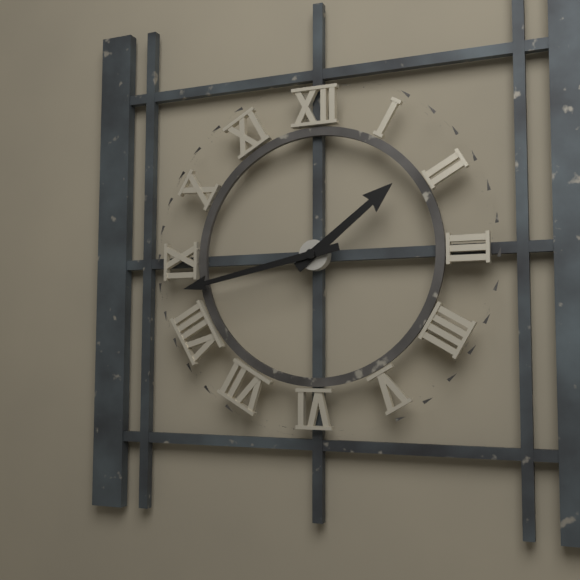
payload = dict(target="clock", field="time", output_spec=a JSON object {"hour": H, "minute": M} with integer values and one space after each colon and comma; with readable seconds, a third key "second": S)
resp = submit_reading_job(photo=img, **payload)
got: {"hour": 1, "minute": 43}
